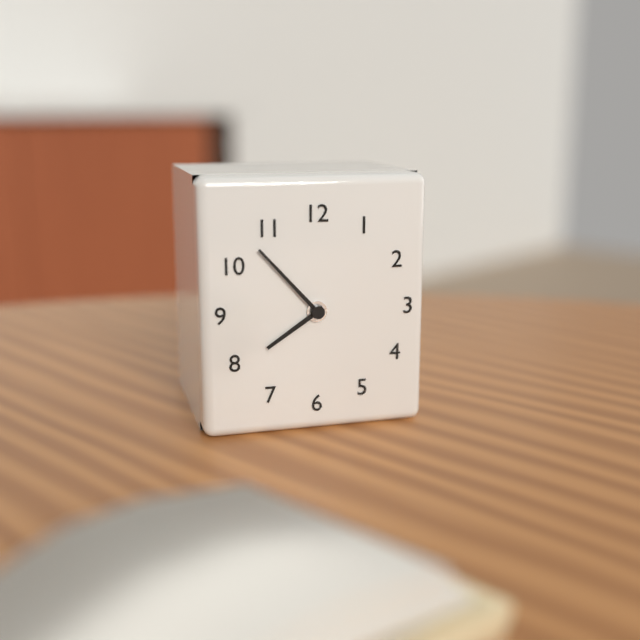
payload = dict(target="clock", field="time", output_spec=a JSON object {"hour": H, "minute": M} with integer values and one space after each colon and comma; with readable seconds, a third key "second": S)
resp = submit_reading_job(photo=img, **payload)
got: {"hour": 7, "minute": 53}
